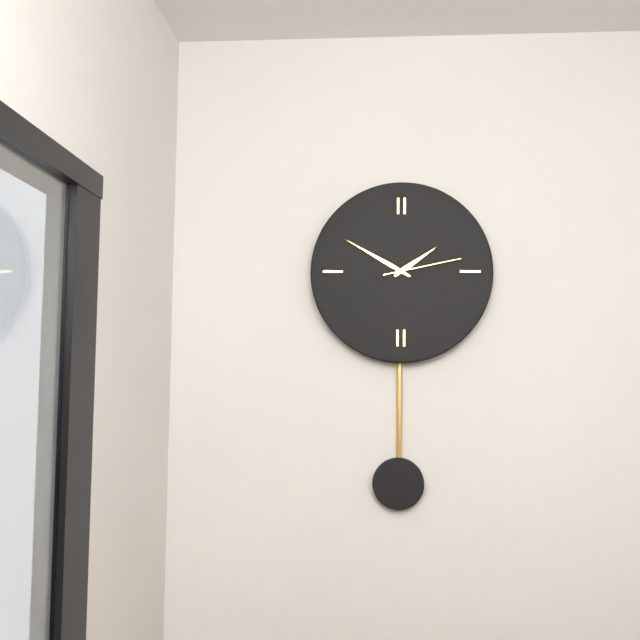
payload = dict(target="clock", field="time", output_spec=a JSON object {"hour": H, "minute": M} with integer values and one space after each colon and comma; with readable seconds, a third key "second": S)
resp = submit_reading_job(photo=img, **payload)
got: {"hour": 1, "minute": 50, "second": 13}
